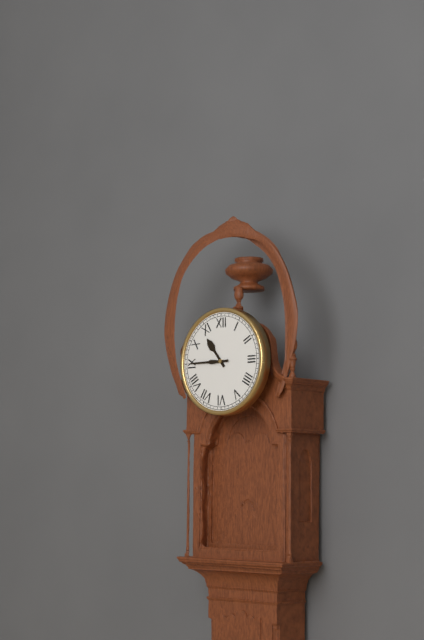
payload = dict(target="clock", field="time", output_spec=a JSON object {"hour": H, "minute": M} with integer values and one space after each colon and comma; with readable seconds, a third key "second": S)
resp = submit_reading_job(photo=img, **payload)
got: {"hour": 10, "minute": 45}
